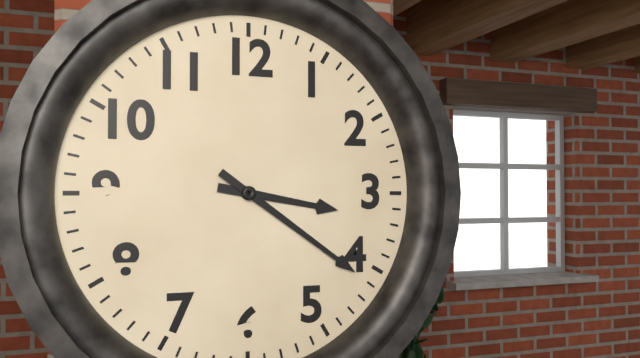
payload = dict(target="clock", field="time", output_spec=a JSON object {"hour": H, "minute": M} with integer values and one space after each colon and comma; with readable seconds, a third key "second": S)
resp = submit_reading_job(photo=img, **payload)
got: {"hour": 3, "minute": 21}
